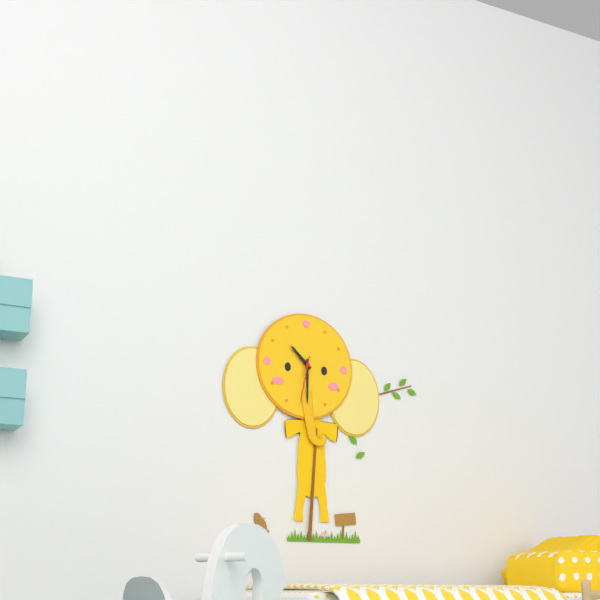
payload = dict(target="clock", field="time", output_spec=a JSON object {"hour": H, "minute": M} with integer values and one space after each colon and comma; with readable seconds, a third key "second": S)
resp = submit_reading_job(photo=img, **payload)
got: {"hour": 10, "minute": 30, "second": 32}
